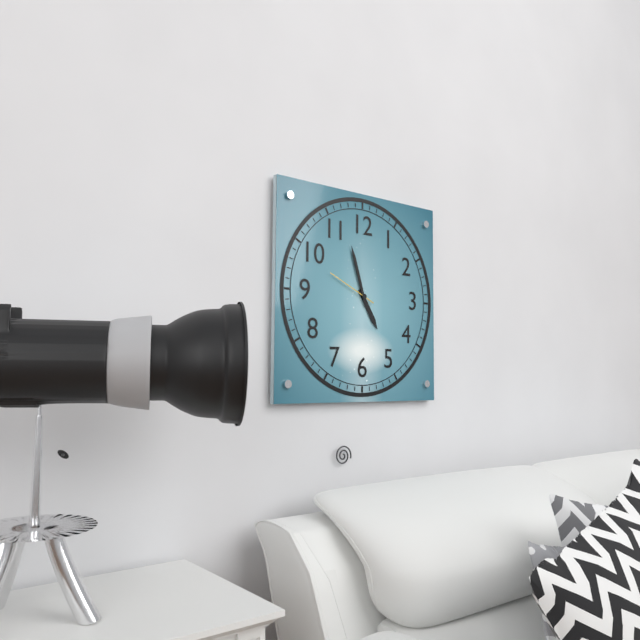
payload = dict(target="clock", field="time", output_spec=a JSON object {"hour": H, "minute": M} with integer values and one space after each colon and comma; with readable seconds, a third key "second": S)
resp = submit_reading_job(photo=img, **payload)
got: {"hour": 4, "minute": 57, "second": 49}
